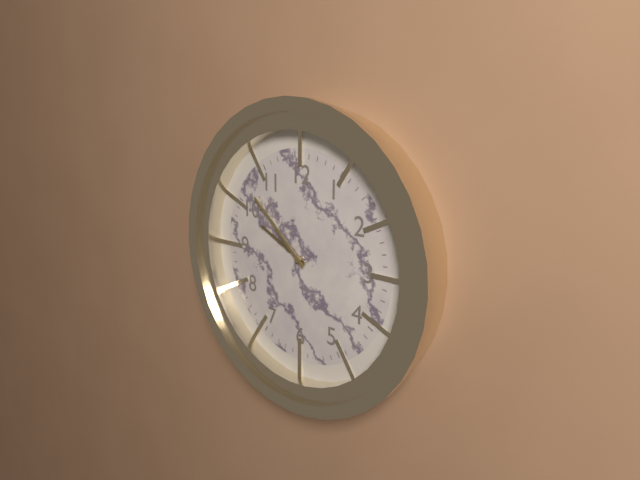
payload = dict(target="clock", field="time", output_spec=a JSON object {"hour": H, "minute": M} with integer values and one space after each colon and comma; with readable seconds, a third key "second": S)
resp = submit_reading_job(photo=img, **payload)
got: {"hour": 9, "minute": 52}
